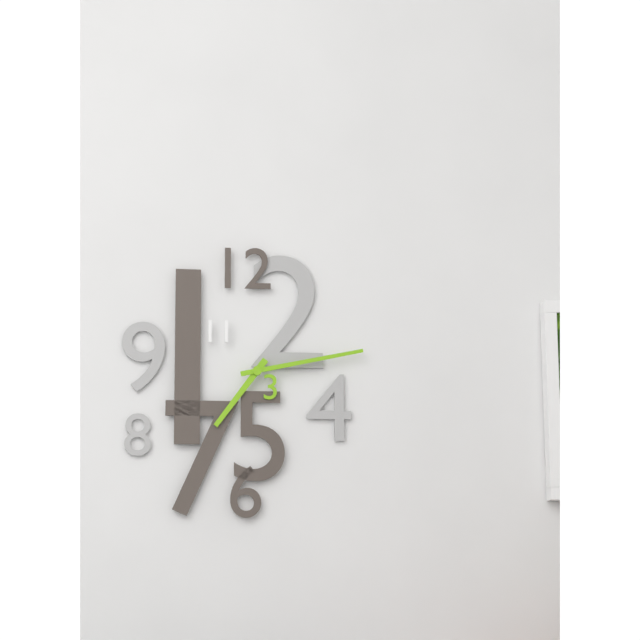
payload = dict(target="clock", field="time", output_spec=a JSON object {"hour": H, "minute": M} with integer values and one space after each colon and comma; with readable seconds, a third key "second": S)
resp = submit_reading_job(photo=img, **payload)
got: {"hour": 7, "minute": 13}
